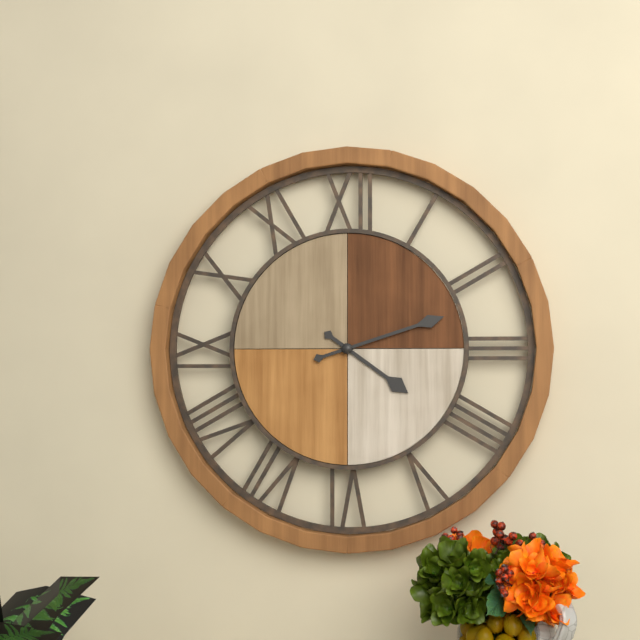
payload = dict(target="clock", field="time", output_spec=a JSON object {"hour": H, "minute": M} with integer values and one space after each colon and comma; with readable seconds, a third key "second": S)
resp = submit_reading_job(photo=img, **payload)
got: {"hour": 4, "minute": 12}
